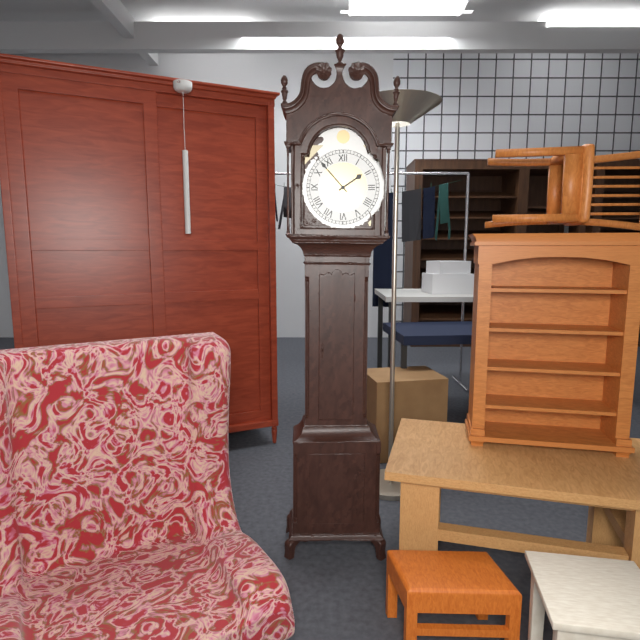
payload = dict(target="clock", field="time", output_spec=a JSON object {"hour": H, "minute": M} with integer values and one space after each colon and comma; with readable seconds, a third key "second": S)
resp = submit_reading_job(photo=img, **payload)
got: {"hour": 1, "minute": 53}
